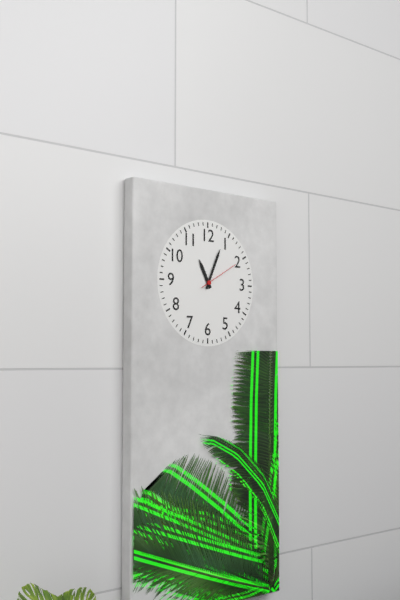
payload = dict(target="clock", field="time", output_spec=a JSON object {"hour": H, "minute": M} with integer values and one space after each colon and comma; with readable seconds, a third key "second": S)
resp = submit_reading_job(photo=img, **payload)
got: {"hour": 11, "minute": 4}
